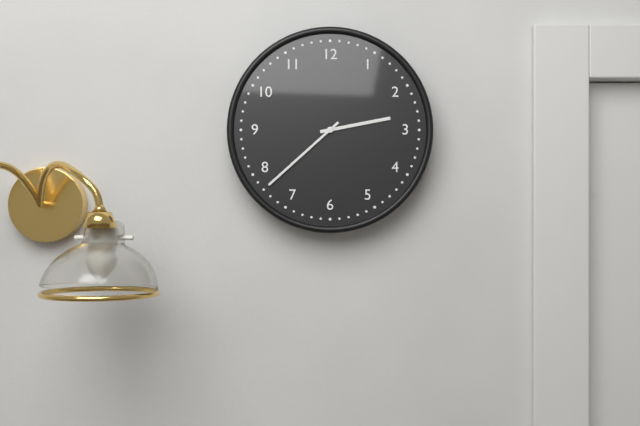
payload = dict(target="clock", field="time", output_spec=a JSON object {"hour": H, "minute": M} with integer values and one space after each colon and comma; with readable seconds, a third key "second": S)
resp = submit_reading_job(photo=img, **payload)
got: {"hour": 2, "minute": 38}
